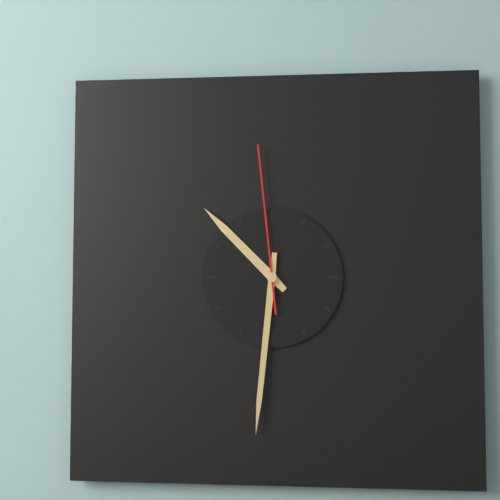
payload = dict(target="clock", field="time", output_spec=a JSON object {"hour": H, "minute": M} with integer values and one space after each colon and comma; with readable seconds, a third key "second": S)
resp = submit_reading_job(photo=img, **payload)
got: {"hour": 10, "minute": 31, "second": 59}
